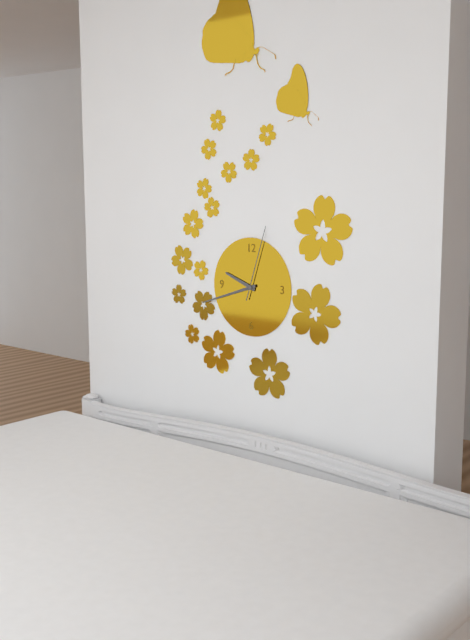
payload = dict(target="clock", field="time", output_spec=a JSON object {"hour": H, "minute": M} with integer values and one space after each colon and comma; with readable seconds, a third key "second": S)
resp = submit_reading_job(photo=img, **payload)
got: {"hour": 9, "minute": 42, "second": 3}
